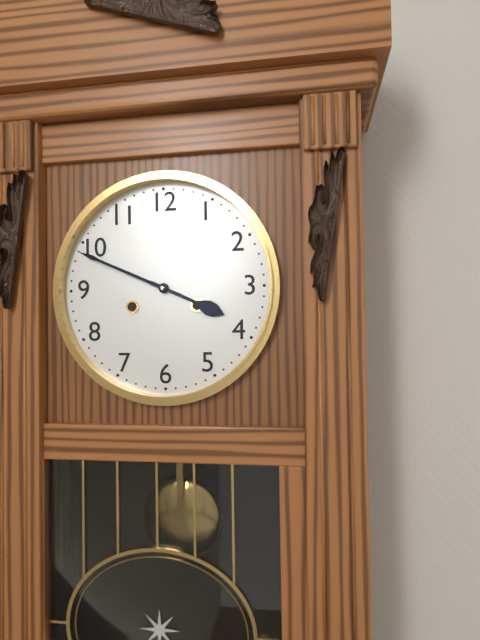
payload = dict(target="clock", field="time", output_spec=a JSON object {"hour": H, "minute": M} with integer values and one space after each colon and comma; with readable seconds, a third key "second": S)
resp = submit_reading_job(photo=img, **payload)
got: {"hour": 3, "minute": 49}
